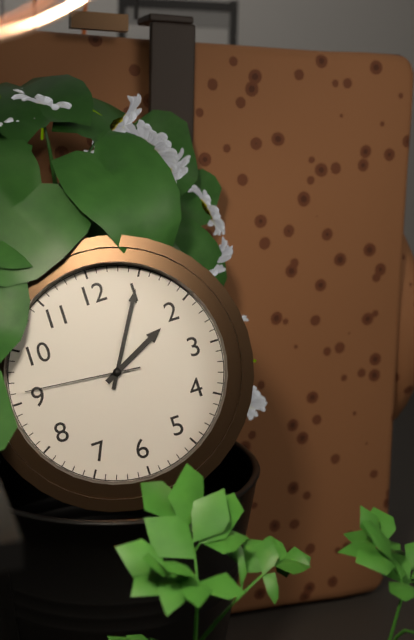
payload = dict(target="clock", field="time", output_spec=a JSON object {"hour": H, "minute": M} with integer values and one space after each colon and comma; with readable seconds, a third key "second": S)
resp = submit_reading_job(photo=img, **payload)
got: {"hour": 2, "minute": 5, "second": 46}
